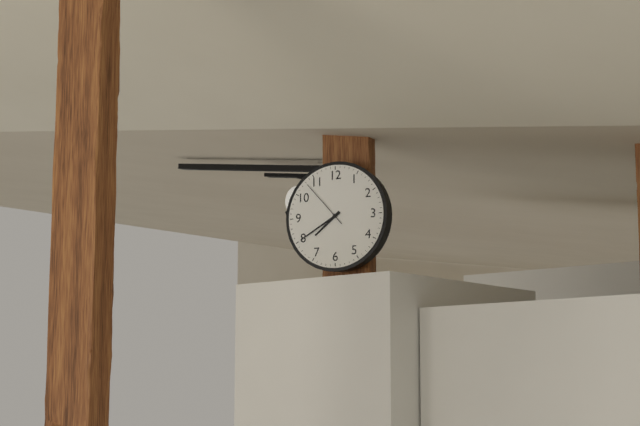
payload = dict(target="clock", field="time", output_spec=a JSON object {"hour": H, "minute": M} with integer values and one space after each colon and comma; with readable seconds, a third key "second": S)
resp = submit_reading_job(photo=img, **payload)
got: {"hour": 7, "minute": 40, "second": 53}
